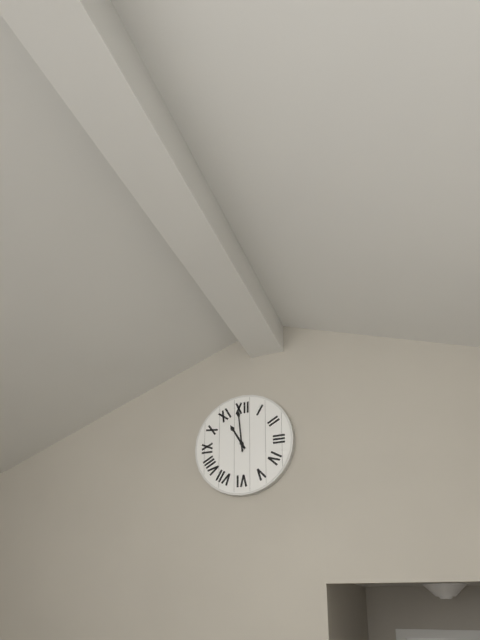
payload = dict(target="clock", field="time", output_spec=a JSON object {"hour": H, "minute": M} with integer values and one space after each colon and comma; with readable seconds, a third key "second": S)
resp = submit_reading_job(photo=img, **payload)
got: {"hour": 10, "minute": 59}
